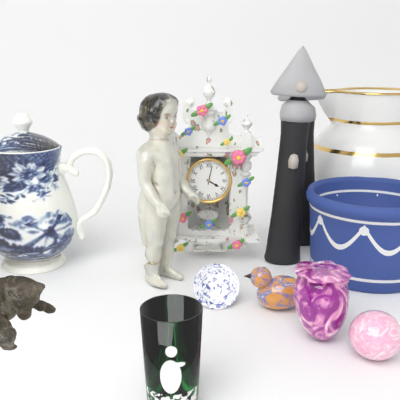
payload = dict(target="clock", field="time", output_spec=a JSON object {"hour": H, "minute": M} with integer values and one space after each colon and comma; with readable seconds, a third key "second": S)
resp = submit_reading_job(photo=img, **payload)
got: {"hour": 4, "minute": 2}
